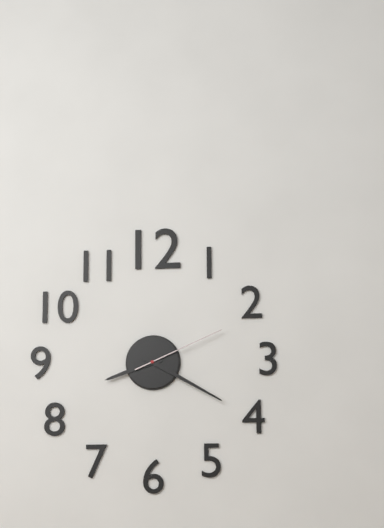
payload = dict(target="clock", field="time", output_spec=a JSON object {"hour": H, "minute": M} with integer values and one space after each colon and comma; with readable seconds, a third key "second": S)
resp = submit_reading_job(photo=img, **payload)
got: {"hour": 8, "minute": 20, "second": 11}
